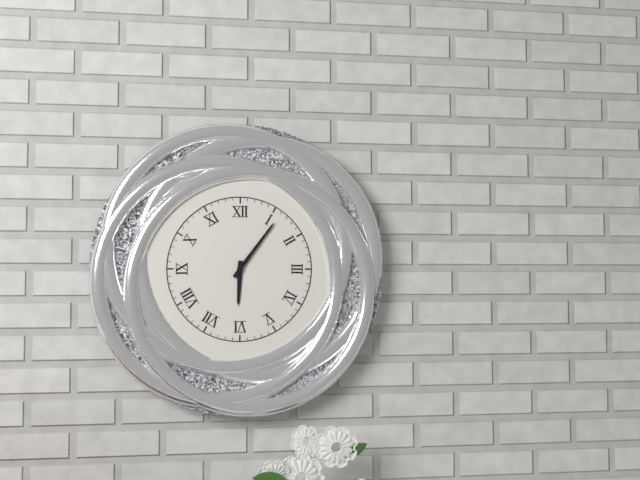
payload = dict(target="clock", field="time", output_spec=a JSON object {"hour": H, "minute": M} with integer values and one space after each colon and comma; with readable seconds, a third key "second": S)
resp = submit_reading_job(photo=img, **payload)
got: {"hour": 6, "minute": 6}
